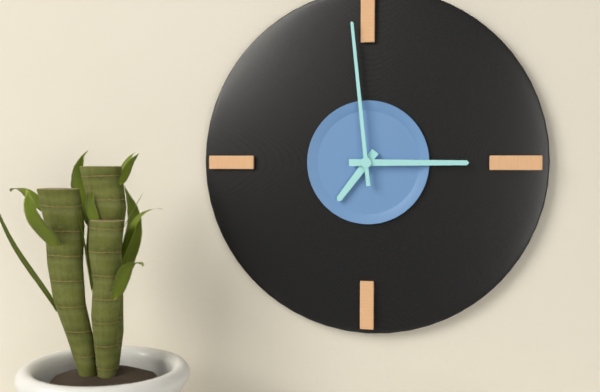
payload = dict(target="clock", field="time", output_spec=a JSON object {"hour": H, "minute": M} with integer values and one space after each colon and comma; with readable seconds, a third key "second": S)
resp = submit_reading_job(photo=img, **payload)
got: {"hour": 7, "minute": 15, "second": 59}
